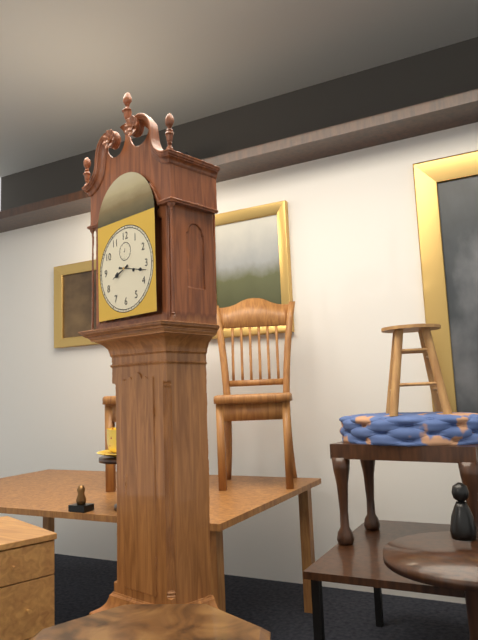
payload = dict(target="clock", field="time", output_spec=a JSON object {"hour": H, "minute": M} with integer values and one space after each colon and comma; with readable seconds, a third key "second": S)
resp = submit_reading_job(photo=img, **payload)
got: {"hour": 8, "minute": 17}
